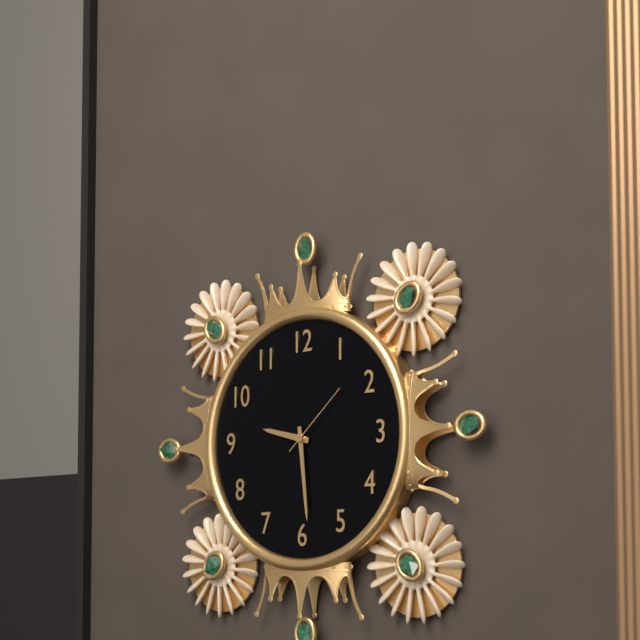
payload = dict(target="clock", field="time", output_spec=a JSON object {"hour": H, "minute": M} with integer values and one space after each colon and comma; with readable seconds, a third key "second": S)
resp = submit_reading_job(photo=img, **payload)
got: {"hour": 9, "minute": 29, "second": 8}
